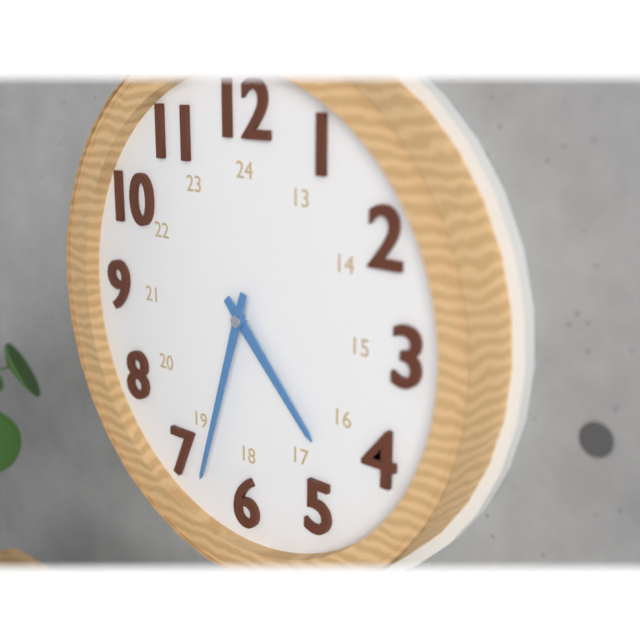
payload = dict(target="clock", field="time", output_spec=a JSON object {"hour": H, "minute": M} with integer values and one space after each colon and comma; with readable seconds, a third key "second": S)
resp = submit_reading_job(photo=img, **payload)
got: {"hour": 4, "minute": 33}
